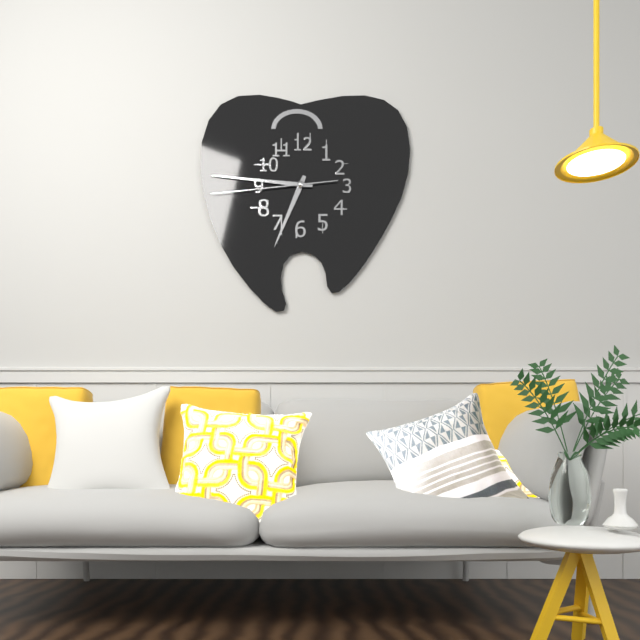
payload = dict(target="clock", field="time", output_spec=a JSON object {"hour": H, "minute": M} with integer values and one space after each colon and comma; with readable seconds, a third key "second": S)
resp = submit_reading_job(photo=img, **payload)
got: {"hour": 6, "minute": 46, "second": 44}
